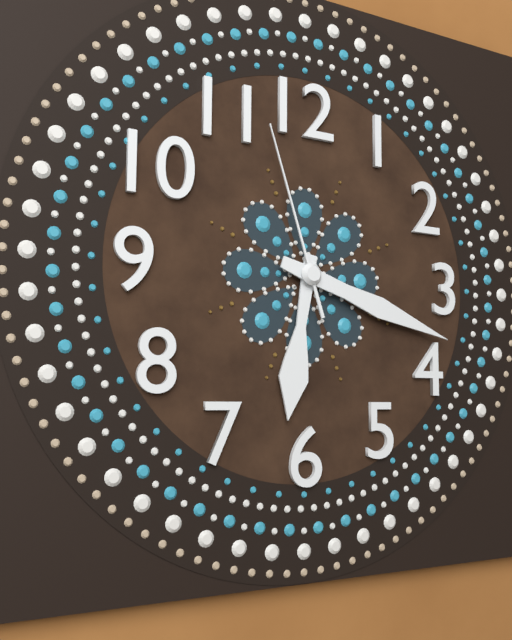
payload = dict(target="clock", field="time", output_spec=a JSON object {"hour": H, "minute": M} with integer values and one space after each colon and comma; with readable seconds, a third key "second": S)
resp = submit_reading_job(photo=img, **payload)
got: {"hour": 6, "minute": 18, "second": 57}
